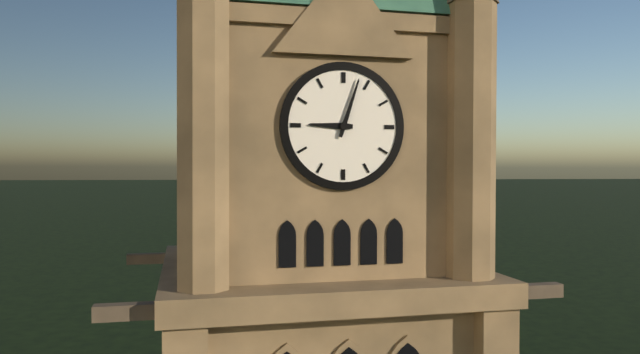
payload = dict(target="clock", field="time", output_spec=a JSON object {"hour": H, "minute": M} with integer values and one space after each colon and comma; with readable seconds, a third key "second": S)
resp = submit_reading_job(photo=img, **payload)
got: {"hour": 9, "minute": 3}
